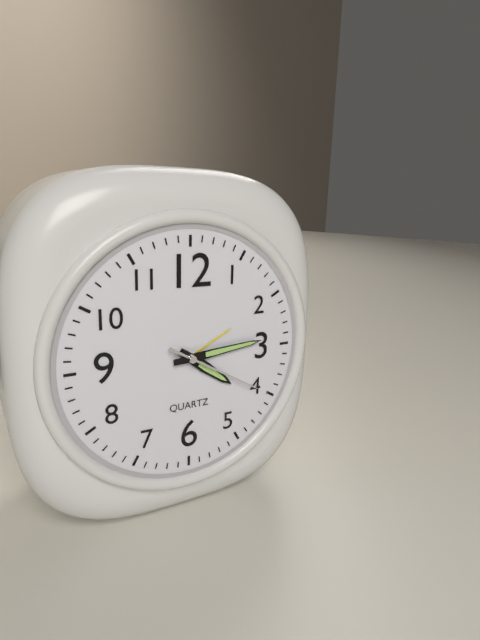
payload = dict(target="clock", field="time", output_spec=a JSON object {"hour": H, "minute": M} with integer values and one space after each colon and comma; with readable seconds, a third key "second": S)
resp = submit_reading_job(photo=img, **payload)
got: {"hour": 4, "minute": 14, "second": 20}
